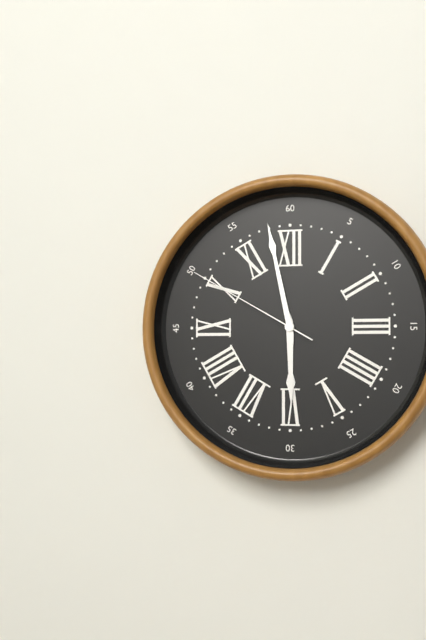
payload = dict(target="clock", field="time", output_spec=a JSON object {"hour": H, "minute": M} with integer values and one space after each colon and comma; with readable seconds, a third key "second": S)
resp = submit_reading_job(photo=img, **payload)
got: {"hour": 5, "minute": 58, "second": 50}
